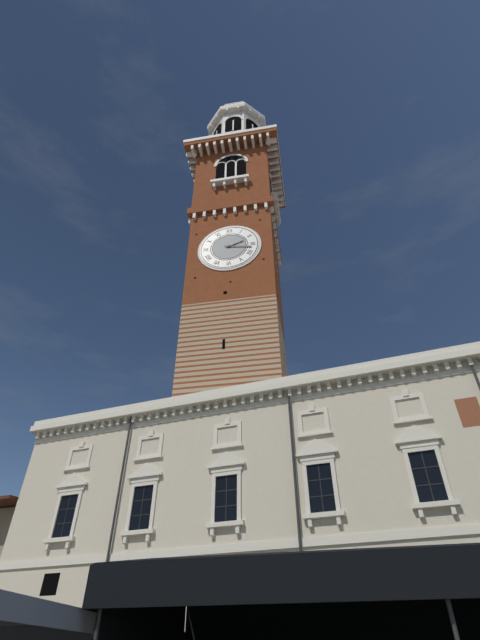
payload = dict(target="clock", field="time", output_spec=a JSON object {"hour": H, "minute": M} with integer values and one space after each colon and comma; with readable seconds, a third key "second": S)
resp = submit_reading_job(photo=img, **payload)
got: {"hour": 2, "minute": 17}
